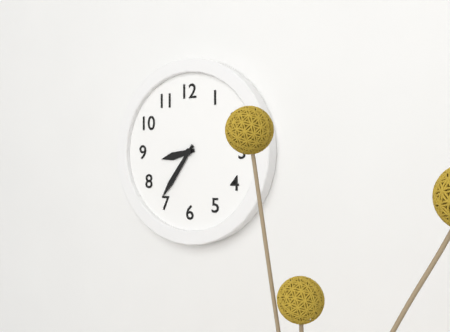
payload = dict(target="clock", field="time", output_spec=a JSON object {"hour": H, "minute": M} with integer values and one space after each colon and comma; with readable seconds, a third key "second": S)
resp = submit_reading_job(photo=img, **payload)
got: {"hour": 8, "minute": 36}
